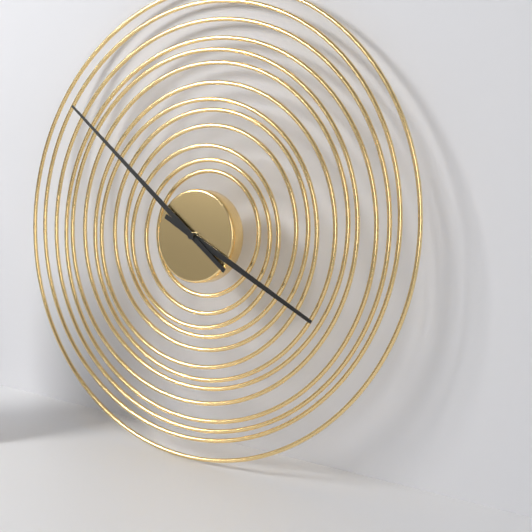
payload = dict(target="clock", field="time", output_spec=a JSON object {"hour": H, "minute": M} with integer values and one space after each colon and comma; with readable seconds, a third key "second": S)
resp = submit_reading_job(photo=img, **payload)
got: {"hour": 3, "minute": 51}
